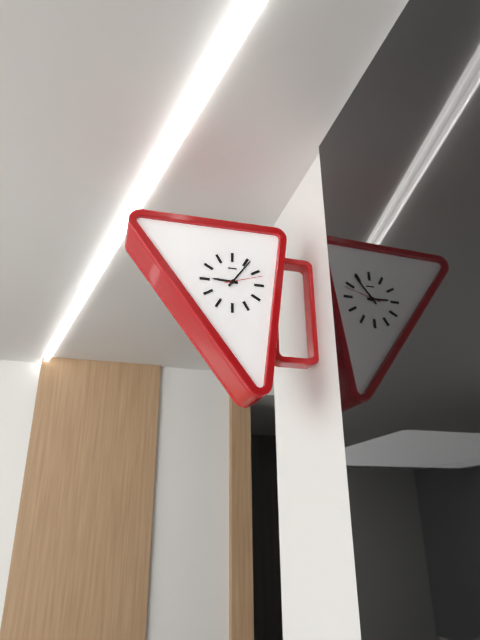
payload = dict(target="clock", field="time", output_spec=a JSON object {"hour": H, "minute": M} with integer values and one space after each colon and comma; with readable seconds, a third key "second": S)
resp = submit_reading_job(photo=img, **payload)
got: {"hour": 9, "minute": 6}
